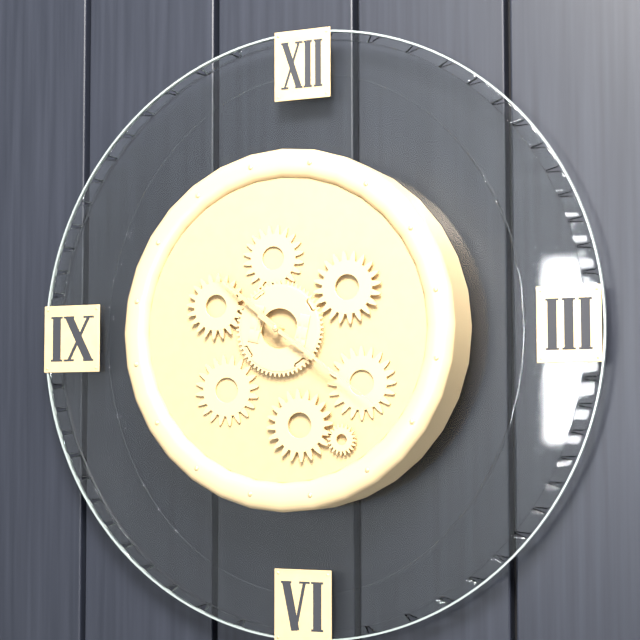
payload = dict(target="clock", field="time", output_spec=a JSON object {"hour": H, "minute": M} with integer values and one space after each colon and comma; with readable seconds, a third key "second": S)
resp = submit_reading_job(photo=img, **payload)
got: {"hour": 10, "minute": 21}
